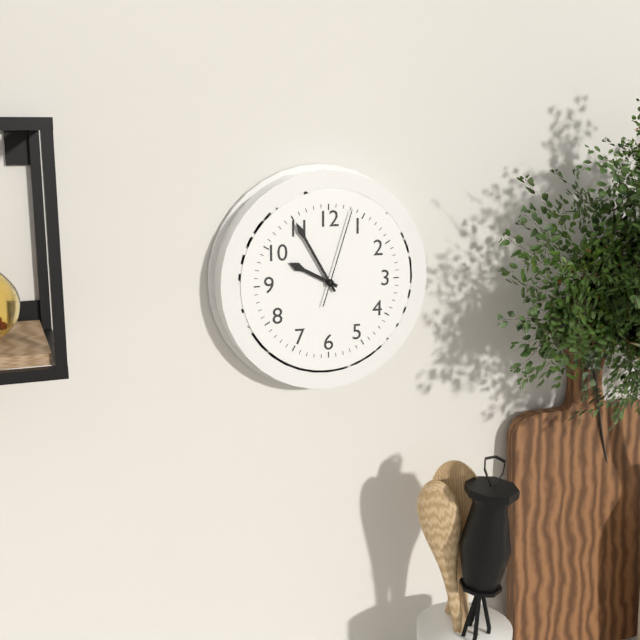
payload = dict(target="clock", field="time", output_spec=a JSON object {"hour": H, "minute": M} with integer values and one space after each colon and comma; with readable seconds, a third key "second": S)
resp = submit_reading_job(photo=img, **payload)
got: {"hour": 9, "minute": 55, "second": 3}
